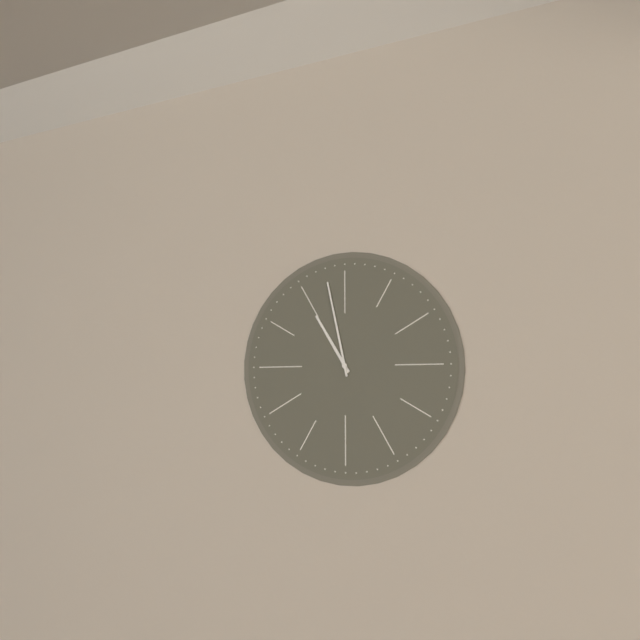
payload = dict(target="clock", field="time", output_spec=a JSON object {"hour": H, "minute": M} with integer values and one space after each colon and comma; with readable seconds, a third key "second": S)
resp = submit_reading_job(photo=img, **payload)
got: {"hour": 10, "minute": 58}
